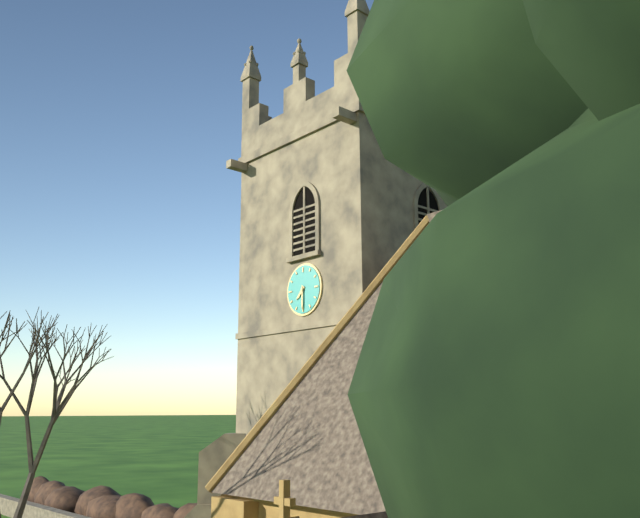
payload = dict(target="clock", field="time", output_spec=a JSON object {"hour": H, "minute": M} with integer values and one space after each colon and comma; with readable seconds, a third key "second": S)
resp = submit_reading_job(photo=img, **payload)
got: {"hour": 7, "minute": 30}
